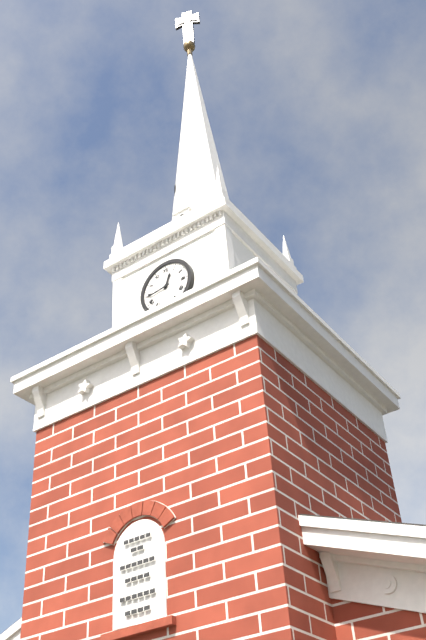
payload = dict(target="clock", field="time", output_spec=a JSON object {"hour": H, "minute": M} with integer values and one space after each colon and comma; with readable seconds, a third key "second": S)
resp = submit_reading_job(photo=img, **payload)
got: {"hour": 12, "minute": 44}
